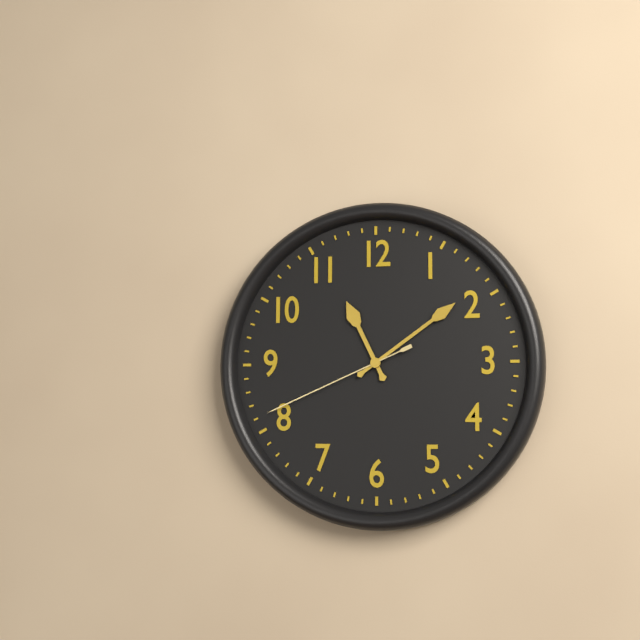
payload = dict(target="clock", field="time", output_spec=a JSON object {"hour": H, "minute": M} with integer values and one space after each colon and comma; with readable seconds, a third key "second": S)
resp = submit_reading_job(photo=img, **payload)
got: {"hour": 11, "minute": 9, "second": 41}
